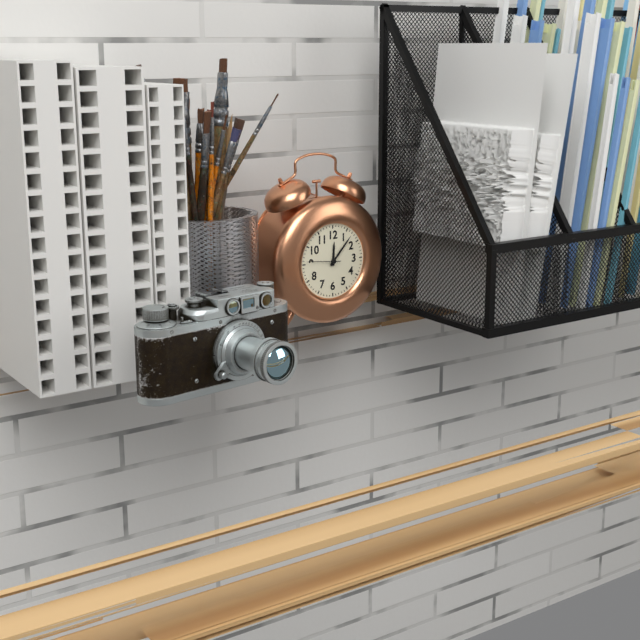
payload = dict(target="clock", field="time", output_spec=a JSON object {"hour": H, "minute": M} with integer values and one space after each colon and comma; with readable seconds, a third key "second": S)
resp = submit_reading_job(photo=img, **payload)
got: {"hour": 12, "minute": 7}
